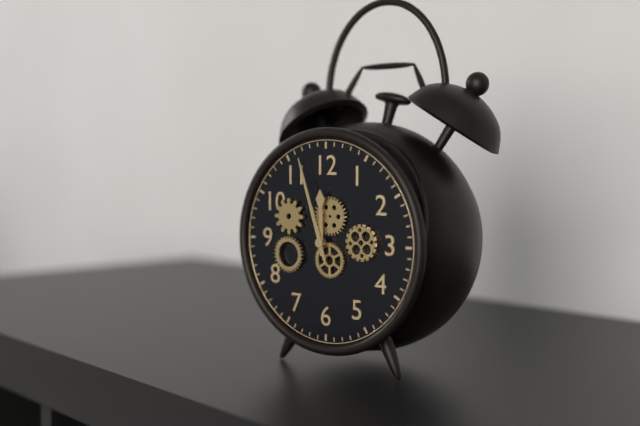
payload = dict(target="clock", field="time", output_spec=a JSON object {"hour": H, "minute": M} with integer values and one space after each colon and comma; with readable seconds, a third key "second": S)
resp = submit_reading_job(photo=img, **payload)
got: {"hour": 11, "minute": 57}
